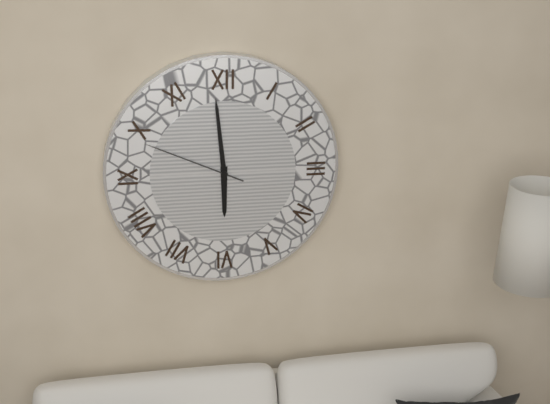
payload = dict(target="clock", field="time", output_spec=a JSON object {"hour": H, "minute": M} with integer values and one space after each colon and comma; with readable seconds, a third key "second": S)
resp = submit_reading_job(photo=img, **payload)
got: {"hour": 5, "minute": 59, "second": 49}
